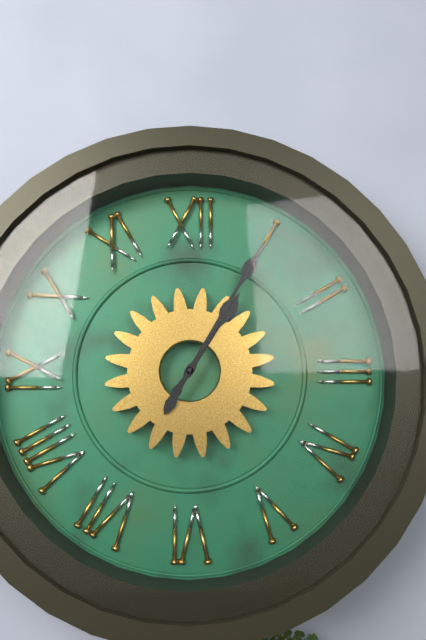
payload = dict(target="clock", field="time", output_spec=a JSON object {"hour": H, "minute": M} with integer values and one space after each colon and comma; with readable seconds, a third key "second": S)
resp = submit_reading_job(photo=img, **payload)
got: {"hour": 1, "minute": 5}
